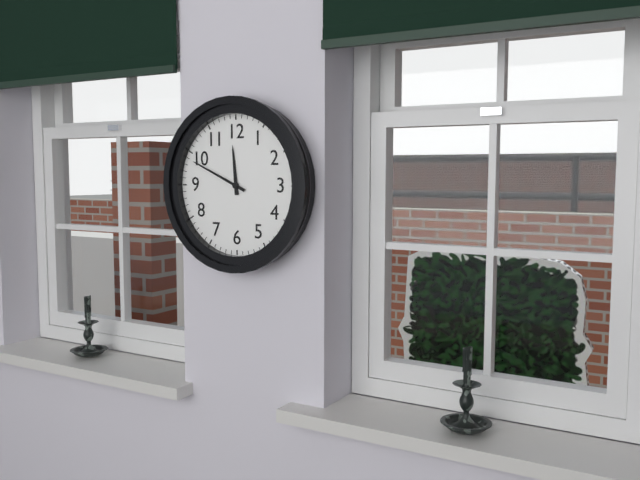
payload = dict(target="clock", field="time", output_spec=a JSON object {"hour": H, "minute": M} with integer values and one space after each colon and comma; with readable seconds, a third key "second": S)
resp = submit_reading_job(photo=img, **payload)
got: {"hour": 11, "minute": 49}
